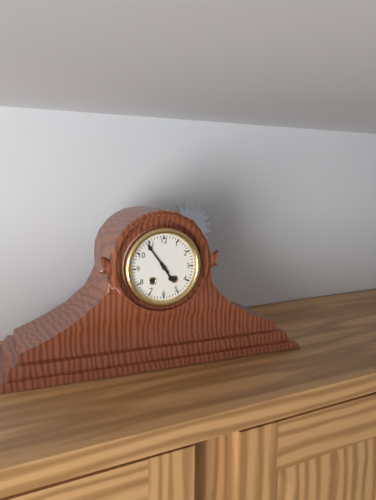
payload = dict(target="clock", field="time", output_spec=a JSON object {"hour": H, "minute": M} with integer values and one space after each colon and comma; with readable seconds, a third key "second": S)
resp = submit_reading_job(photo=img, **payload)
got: {"hour": 4, "minute": 54}
